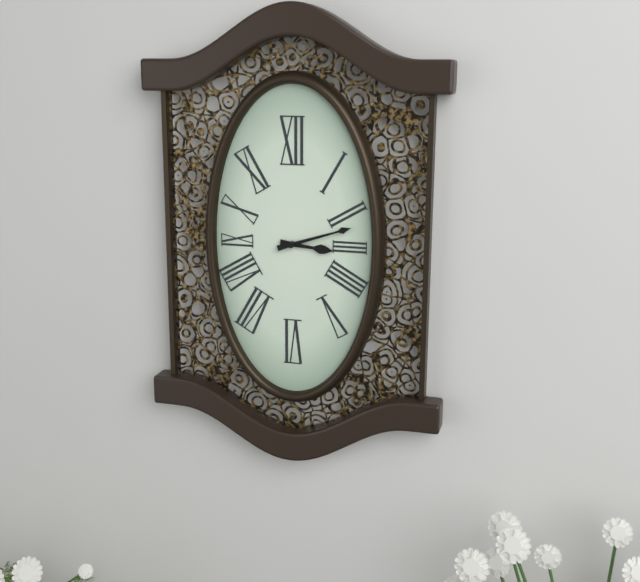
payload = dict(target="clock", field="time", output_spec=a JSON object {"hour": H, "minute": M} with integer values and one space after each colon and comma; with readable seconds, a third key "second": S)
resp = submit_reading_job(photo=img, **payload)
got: {"hour": 3, "minute": 12}
